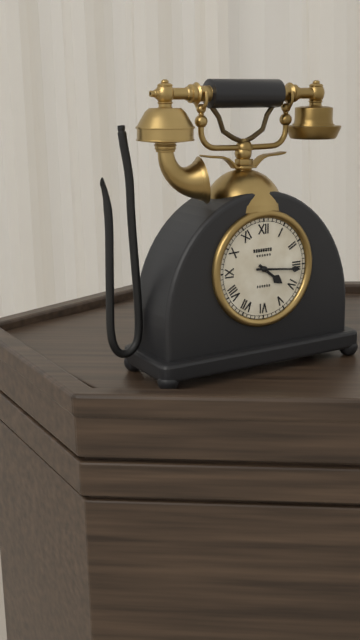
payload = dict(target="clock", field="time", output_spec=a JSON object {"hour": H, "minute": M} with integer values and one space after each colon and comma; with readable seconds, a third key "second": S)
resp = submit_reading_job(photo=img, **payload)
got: {"hour": 4, "minute": 16}
